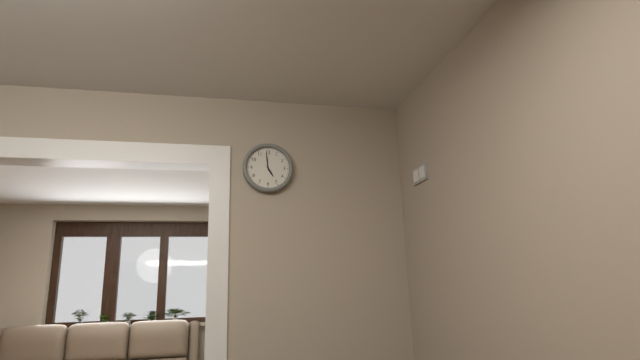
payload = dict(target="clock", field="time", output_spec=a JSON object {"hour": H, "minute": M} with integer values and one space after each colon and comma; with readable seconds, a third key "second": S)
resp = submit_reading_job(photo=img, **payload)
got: {"hour": 4, "minute": 59}
